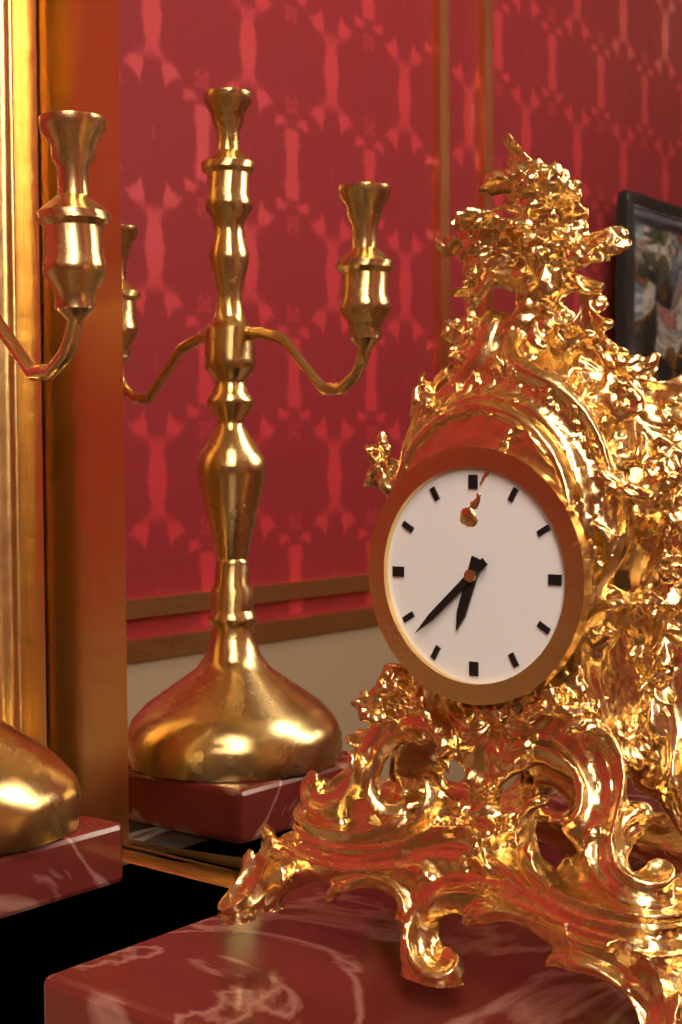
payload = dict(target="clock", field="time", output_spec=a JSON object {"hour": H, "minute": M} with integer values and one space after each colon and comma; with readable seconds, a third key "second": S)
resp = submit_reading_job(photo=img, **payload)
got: {"hour": 6, "minute": 38}
